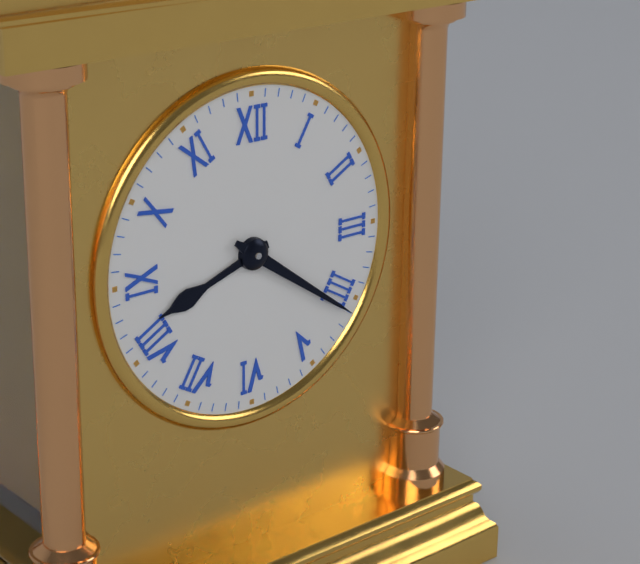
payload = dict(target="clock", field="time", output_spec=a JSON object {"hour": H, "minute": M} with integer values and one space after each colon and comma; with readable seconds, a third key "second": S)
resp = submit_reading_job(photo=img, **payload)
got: {"hour": 8, "minute": 21}
